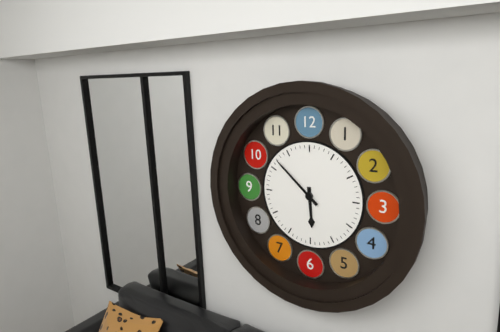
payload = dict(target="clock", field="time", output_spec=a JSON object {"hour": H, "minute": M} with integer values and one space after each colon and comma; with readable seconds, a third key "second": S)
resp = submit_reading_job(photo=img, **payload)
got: {"hour": 5, "minute": 52}
